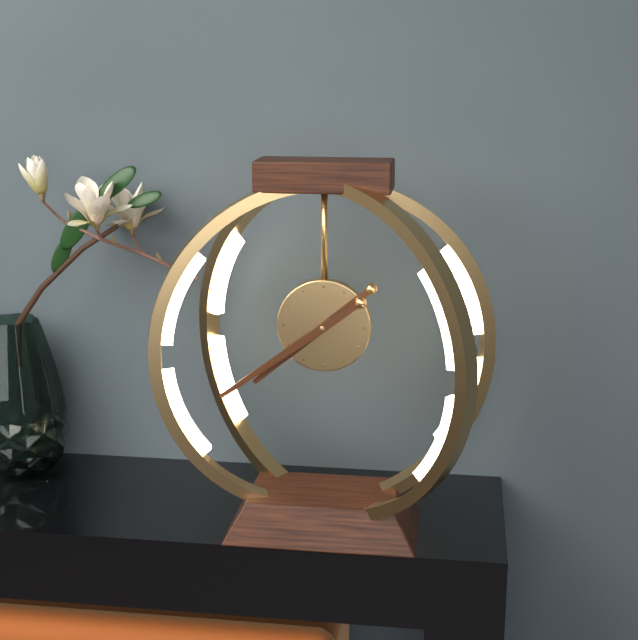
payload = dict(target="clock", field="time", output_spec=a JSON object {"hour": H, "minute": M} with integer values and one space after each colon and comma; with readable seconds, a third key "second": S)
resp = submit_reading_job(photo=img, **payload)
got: {"hour": 7, "minute": 39}
